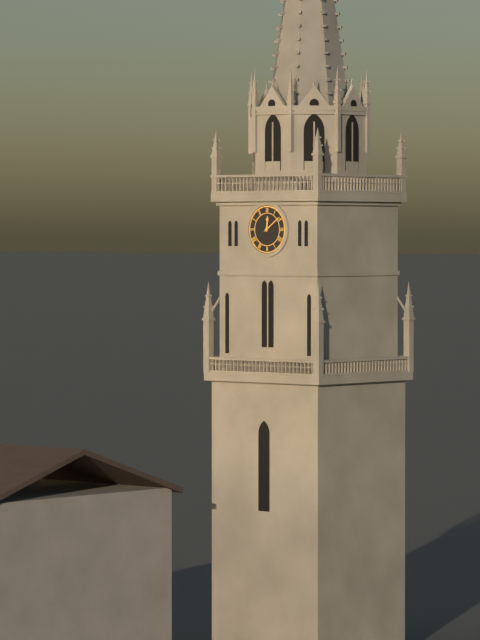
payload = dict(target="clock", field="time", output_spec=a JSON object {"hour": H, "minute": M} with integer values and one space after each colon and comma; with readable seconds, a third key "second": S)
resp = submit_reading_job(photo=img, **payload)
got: {"hour": 12, "minute": 9}
